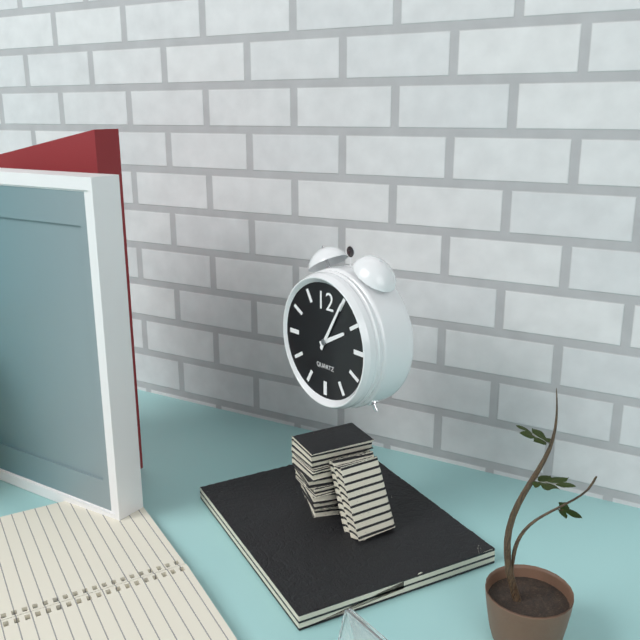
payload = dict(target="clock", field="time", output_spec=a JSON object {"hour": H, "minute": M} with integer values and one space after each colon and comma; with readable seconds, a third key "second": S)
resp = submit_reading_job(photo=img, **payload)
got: {"hour": 2, "minute": 5}
